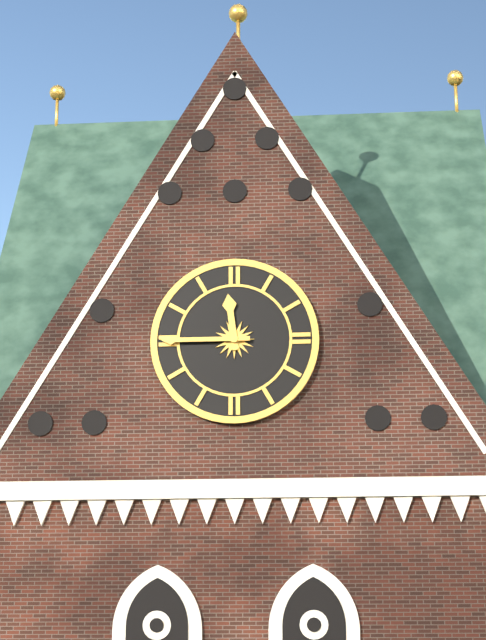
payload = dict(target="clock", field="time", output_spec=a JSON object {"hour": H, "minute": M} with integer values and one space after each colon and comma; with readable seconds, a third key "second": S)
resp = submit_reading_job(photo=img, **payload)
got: {"hour": 11, "minute": 45}
